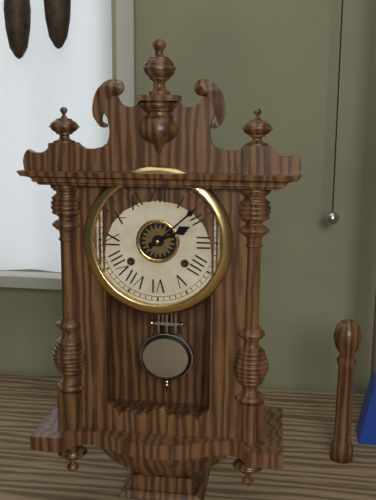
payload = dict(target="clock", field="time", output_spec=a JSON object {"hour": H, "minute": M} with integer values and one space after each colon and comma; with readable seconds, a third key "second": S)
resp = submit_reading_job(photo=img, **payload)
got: {"hour": 2, "minute": 8}
